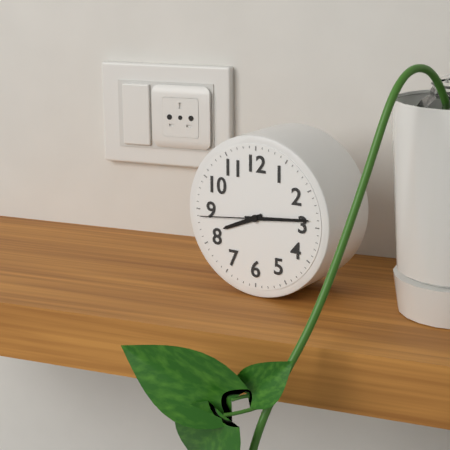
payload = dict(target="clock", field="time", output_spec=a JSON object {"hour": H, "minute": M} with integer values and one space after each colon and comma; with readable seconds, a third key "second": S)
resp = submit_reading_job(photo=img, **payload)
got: {"hour": 8, "minute": 14, "second": 44}
